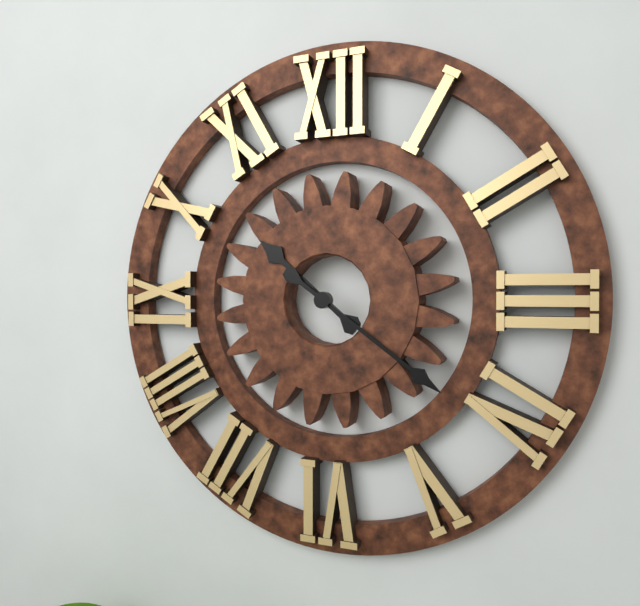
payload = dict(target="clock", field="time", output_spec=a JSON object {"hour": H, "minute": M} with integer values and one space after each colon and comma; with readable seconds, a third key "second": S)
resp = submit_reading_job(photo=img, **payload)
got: {"hour": 10, "minute": 21}
